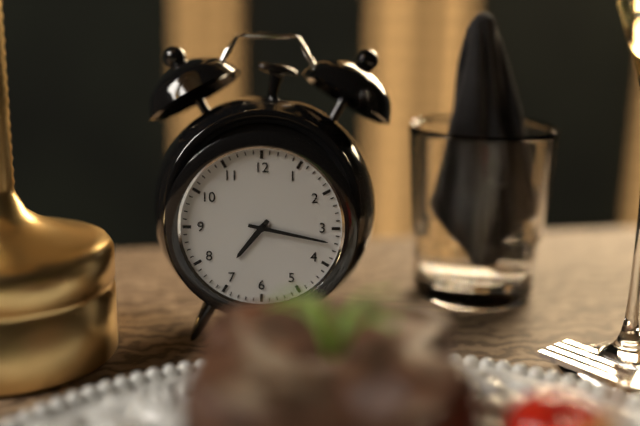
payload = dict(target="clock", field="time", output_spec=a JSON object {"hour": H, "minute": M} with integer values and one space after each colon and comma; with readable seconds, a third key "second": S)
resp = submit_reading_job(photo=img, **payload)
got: {"hour": 7, "minute": 17}
